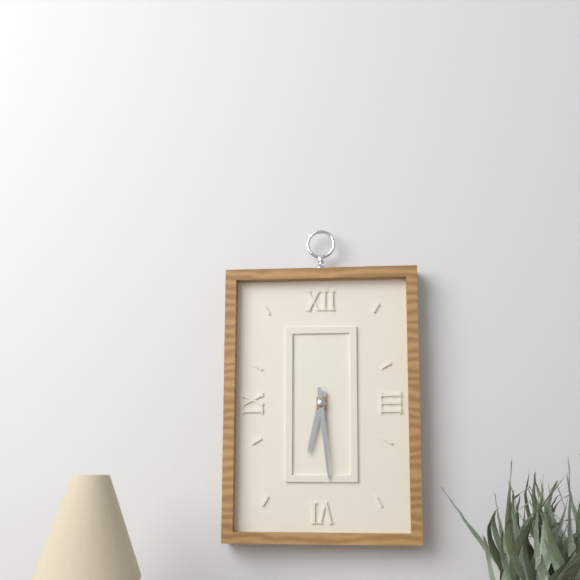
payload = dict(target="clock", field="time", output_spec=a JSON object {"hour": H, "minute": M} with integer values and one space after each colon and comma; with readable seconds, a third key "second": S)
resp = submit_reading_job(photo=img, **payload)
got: {"hour": 6, "minute": 29}
